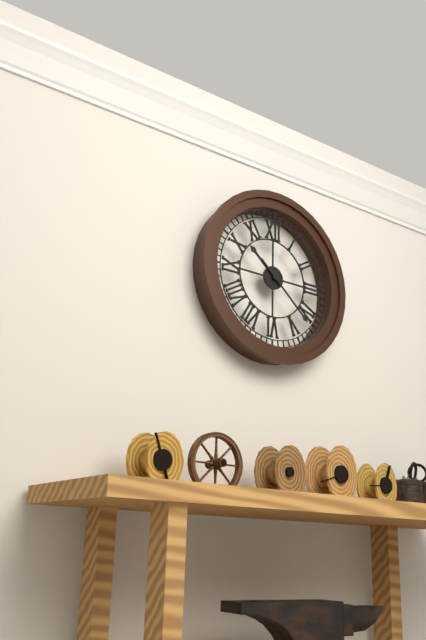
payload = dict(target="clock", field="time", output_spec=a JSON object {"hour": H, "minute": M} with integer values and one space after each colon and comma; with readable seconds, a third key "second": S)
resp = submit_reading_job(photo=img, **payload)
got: {"hour": 10, "minute": 22}
